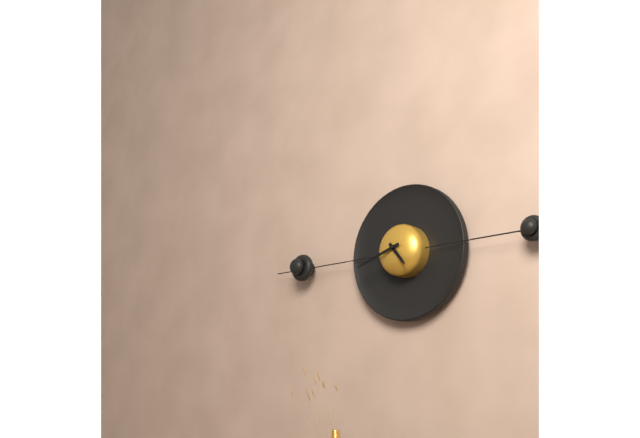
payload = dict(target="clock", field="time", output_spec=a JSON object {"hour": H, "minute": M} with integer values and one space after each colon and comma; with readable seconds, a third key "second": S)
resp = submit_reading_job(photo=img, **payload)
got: {"hour": 4, "minute": 42}
